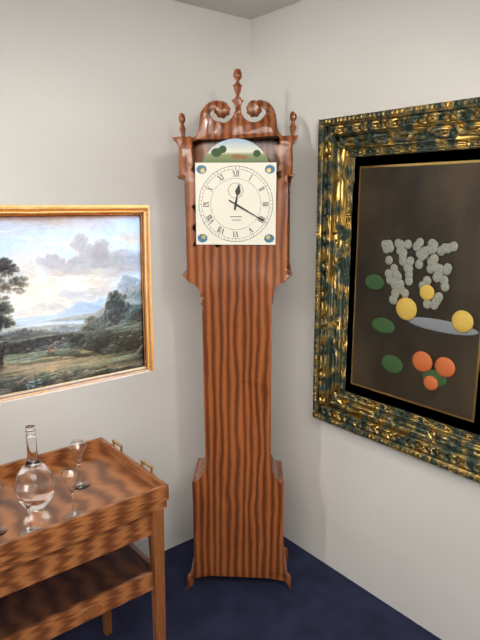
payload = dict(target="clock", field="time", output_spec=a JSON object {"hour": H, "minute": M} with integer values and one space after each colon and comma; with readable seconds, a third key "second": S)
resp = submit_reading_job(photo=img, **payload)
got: {"hour": 12, "minute": 20}
